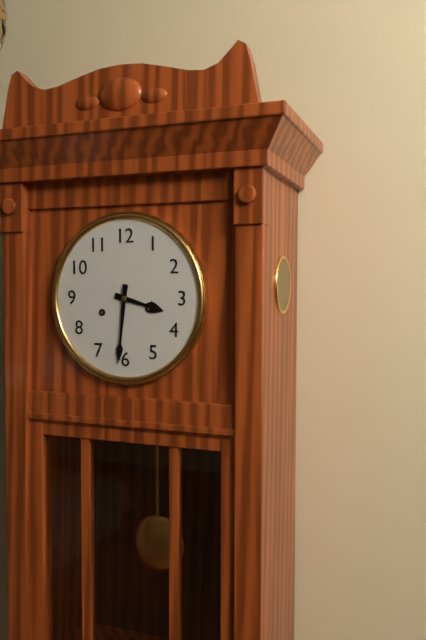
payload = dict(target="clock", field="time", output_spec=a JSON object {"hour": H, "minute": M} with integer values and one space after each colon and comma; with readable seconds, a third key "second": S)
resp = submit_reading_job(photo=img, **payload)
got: {"hour": 3, "minute": 31}
